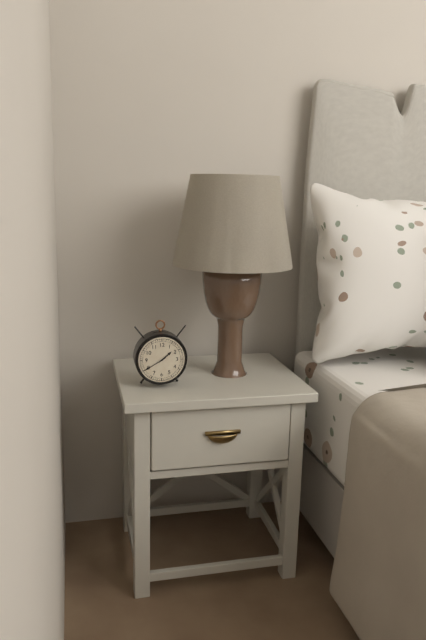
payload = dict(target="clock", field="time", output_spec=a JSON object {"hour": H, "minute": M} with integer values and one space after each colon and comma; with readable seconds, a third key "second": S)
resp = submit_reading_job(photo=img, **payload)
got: {"hour": 1, "minute": 40}
